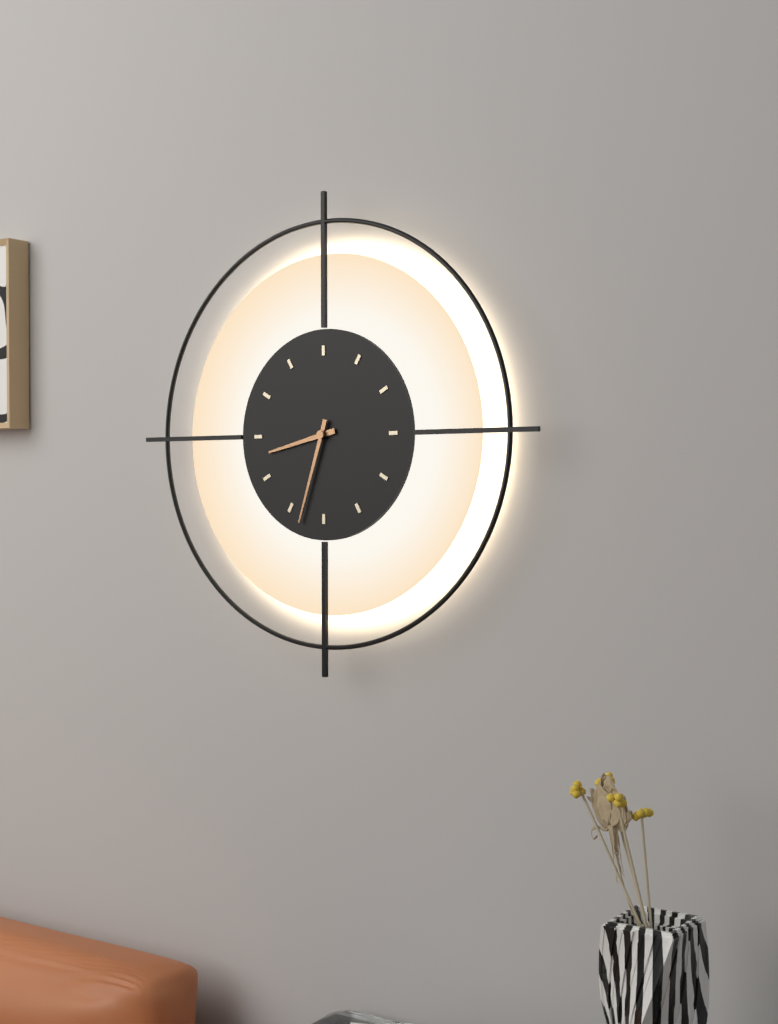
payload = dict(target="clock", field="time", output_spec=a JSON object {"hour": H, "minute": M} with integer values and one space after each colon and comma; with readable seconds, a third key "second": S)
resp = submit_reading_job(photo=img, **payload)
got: {"hour": 8, "minute": 33}
